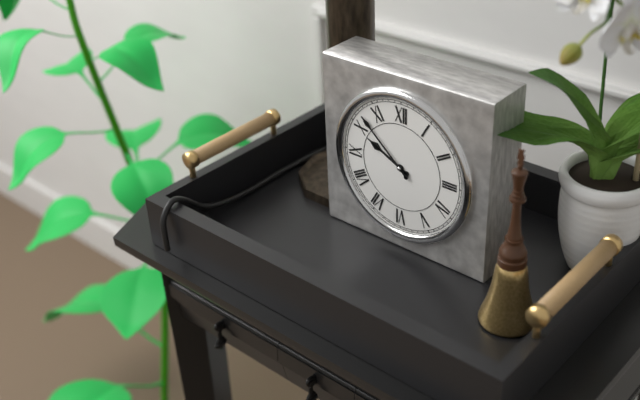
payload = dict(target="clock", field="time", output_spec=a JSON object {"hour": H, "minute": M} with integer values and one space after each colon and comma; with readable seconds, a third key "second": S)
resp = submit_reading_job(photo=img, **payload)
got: {"hour": 9, "minute": 52}
